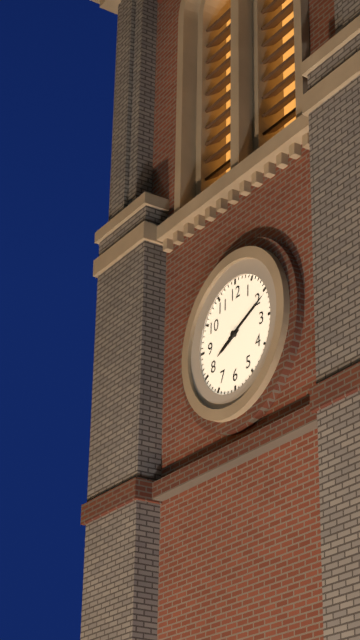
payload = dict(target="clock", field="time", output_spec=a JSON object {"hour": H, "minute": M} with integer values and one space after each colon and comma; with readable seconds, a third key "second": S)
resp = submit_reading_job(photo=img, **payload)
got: {"hour": 8, "minute": 11}
